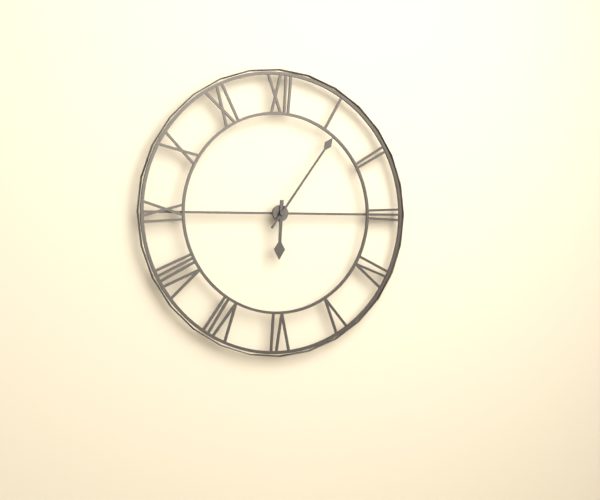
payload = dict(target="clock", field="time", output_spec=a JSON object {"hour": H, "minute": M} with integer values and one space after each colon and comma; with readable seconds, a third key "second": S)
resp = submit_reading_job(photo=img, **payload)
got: {"hour": 6, "minute": 6}
